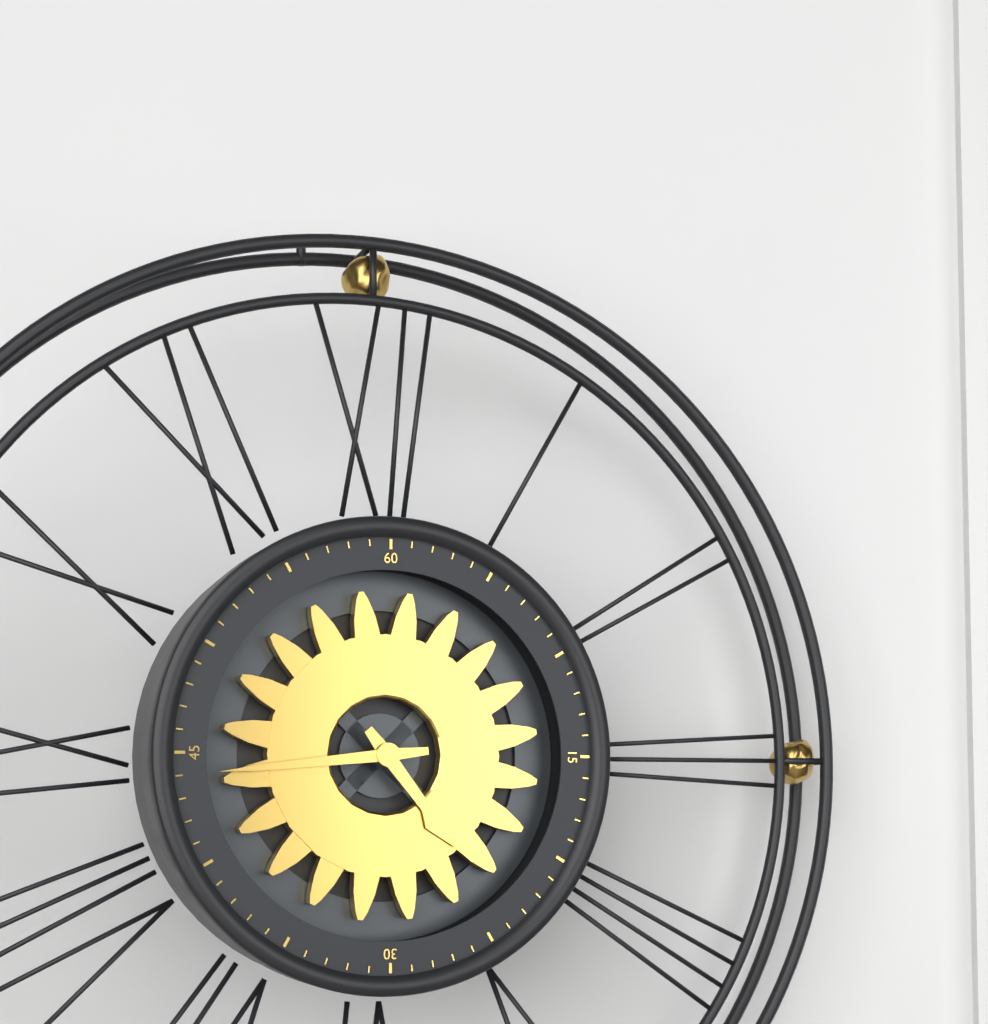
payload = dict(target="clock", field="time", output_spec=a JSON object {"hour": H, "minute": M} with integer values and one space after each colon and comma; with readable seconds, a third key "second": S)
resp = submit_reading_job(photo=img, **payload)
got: {"hour": 4, "minute": 44}
